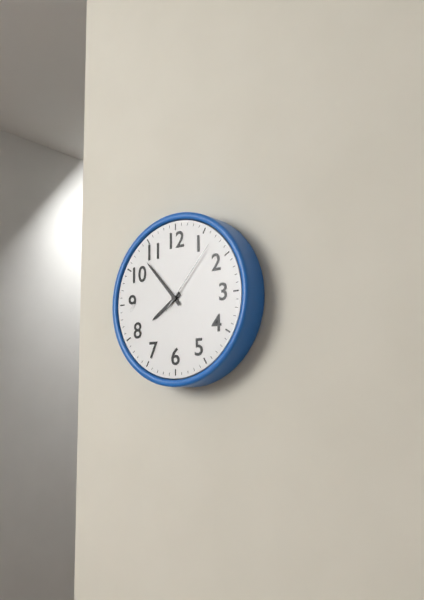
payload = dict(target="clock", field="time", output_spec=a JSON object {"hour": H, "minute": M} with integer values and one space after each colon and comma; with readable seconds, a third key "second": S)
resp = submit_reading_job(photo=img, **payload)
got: {"hour": 7, "minute": 53, "second": 7}
